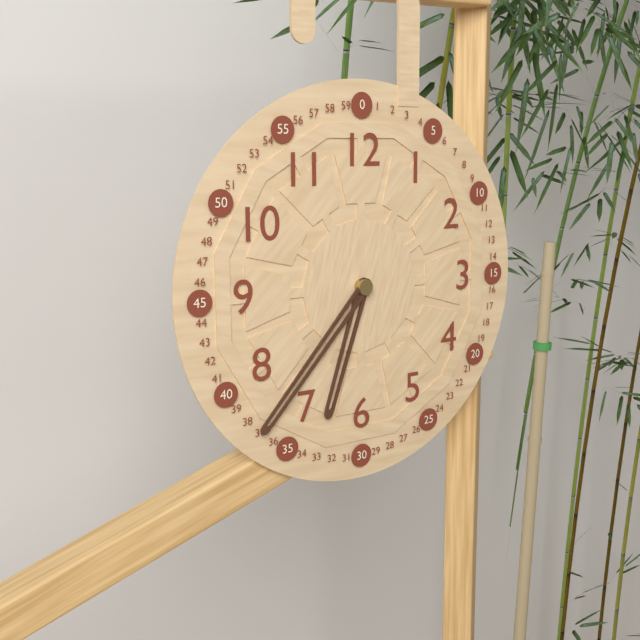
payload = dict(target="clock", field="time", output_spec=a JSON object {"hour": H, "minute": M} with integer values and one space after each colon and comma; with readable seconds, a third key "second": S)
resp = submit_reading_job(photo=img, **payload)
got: {"hour": 6, "minute": 37}
